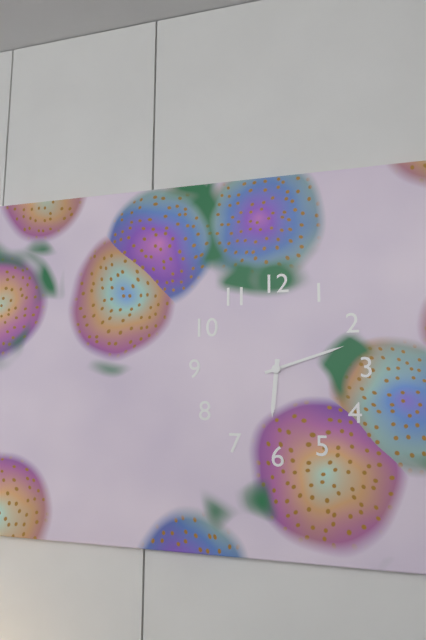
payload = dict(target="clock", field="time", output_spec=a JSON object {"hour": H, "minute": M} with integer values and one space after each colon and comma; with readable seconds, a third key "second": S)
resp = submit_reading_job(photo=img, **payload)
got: {"hour": 6, "minute": 12}
